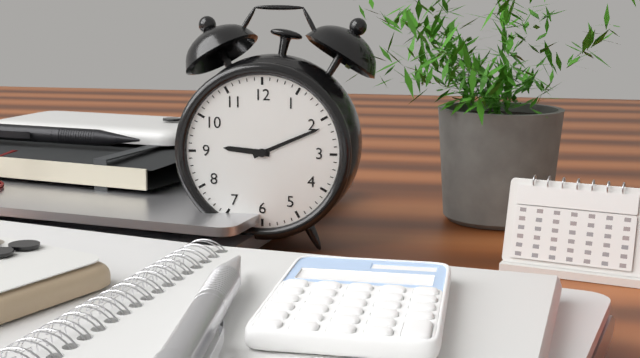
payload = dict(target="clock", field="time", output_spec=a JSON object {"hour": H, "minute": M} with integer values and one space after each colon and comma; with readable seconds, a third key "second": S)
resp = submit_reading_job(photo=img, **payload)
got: {"hour": 9, "minute": 11}
